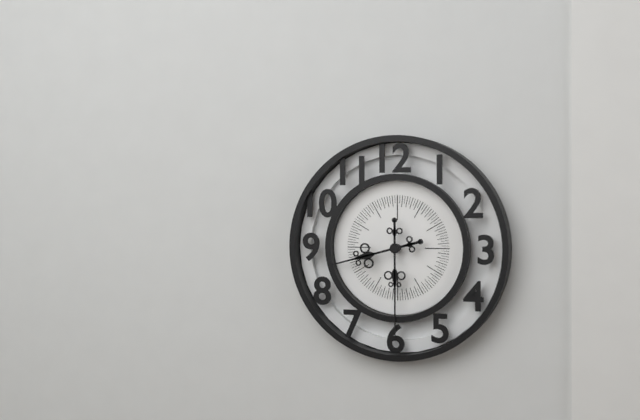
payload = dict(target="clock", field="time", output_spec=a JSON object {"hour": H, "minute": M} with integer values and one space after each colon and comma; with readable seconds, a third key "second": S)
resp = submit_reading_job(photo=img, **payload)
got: {"hour": 8, "minute": 30}
